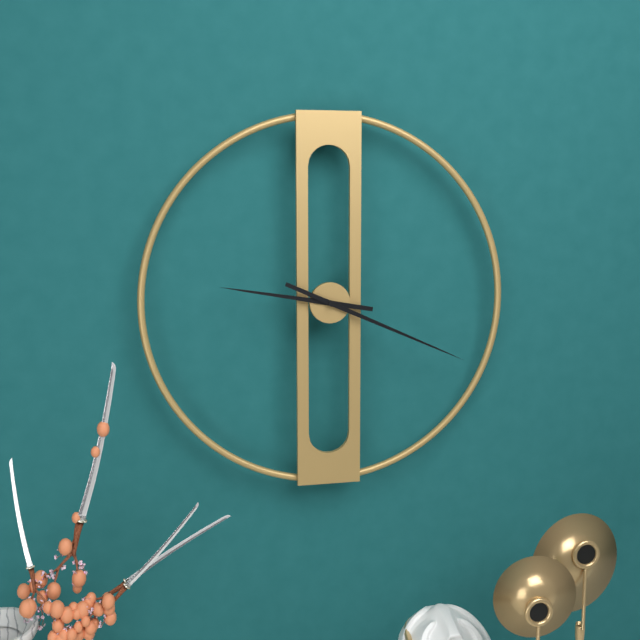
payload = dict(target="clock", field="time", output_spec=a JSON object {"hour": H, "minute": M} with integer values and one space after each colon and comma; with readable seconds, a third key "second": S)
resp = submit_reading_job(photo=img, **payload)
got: {"hour": 9, "minute": 19}
